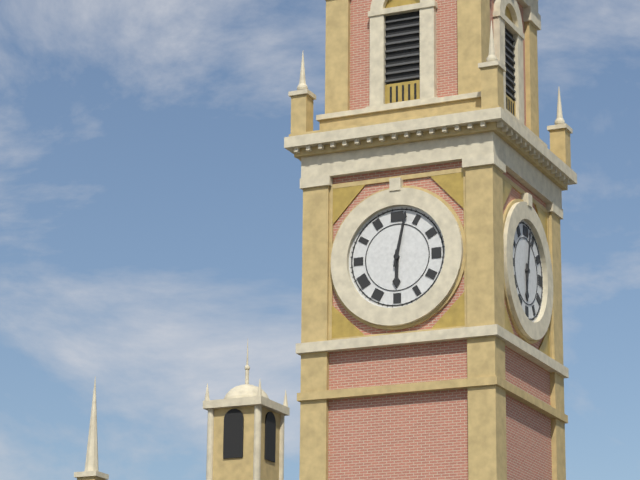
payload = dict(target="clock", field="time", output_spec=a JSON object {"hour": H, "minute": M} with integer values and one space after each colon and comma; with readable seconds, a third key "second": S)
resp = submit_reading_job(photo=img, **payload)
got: {"hour": 6, "minute": 2}
